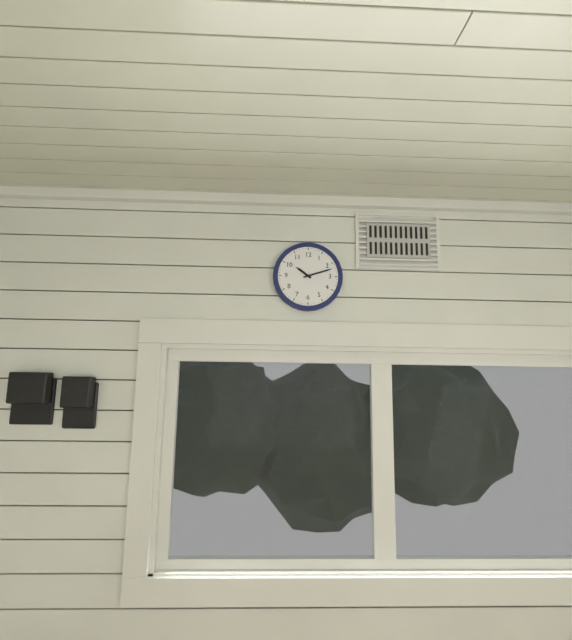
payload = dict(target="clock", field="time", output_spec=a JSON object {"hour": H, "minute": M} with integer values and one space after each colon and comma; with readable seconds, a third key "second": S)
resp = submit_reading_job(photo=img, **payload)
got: {"hour": 10, "minute": 12}
